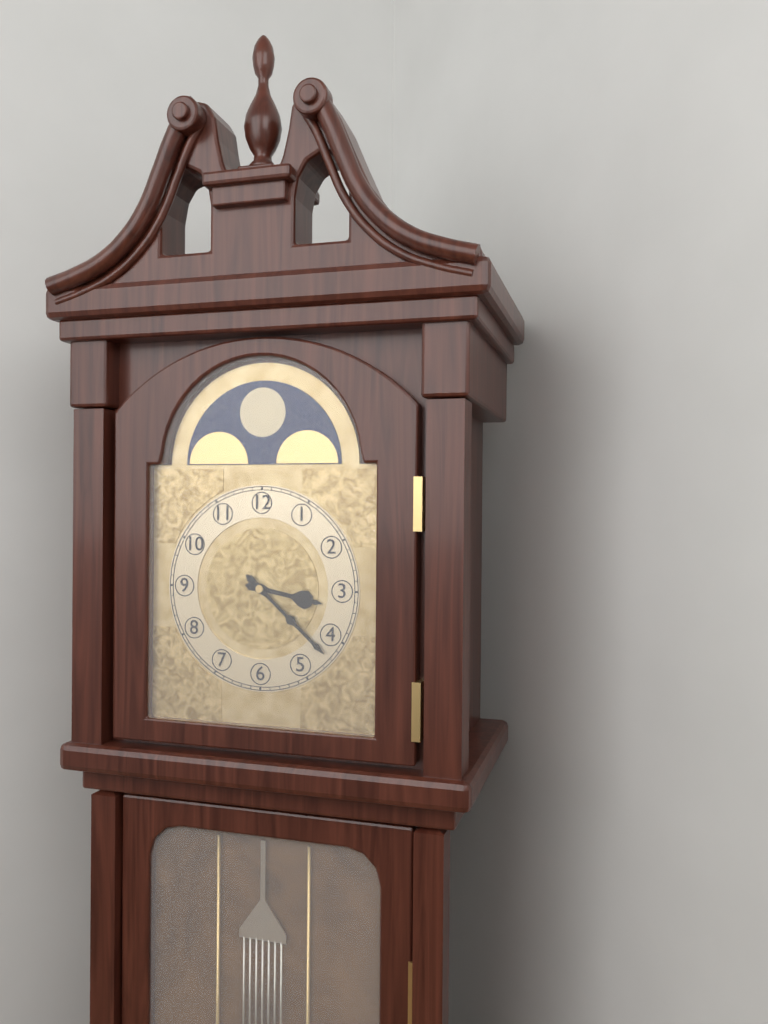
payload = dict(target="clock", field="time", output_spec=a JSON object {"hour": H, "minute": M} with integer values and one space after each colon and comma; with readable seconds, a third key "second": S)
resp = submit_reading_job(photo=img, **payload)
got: {"hour": 3, "minute": 22}
